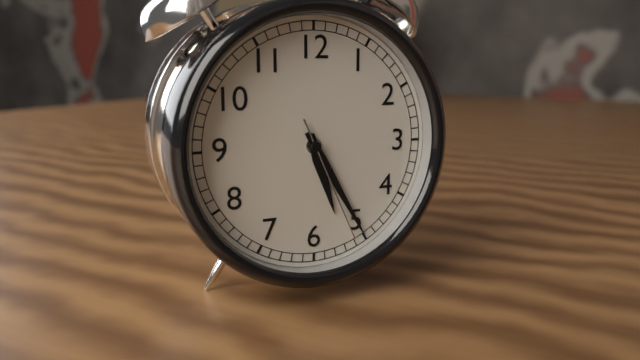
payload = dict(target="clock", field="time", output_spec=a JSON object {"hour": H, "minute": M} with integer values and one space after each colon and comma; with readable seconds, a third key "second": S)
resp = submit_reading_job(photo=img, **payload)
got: {"hour": 5, "minute": 25, "second": 26}
